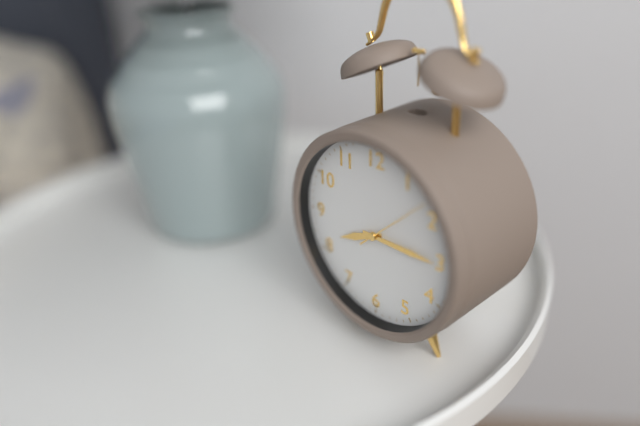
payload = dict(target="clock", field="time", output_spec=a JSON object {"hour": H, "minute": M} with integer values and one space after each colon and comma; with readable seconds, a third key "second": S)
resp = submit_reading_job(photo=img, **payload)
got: {"hour": 8, "minute": 15, "second": 8}
